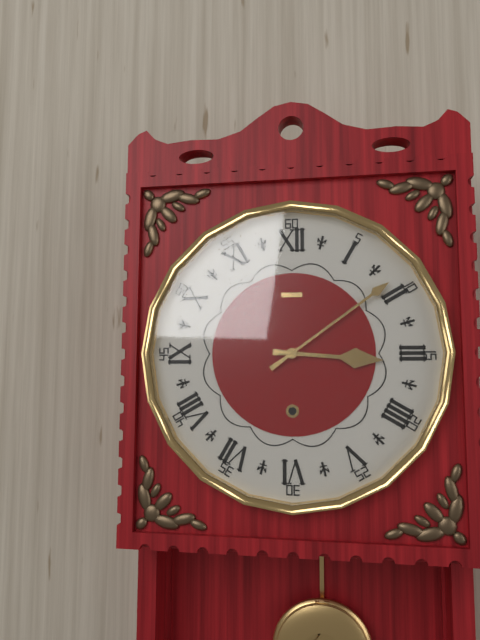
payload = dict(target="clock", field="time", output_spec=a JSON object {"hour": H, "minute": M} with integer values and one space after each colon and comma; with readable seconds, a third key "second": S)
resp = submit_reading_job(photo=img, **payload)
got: {"hour": 3, "minute": 9}
